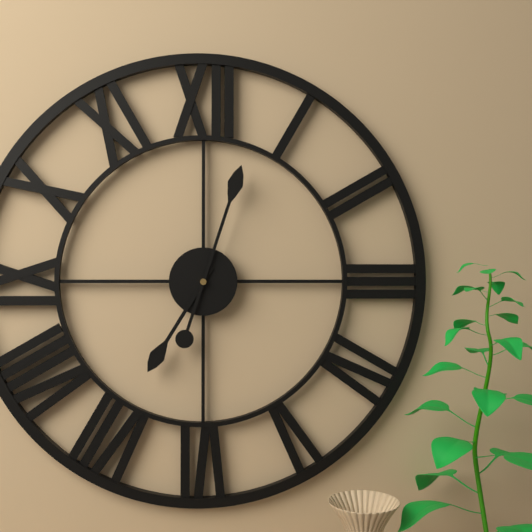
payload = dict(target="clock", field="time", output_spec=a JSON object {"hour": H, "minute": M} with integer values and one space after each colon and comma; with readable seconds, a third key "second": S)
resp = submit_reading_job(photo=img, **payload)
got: {"hour": 7, "minute": 3}
